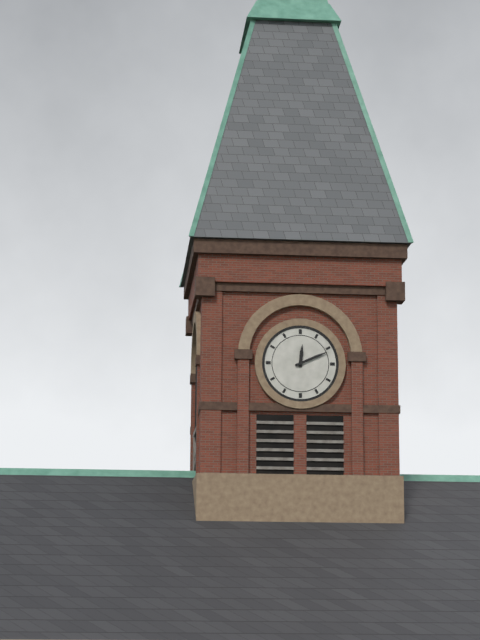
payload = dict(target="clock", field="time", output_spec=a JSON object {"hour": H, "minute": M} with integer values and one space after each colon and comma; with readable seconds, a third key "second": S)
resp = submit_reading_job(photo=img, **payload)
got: {"hour": 12, "minute": 11}
